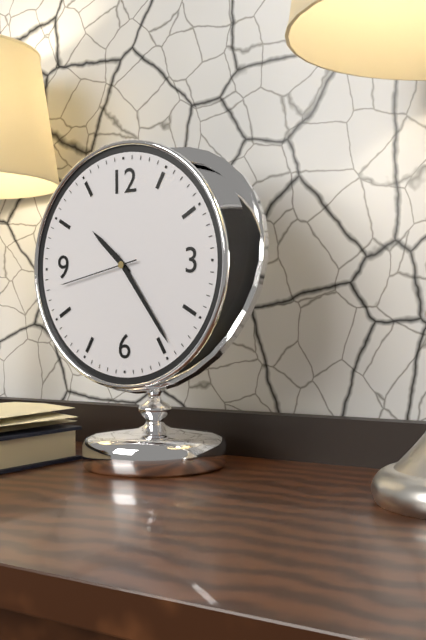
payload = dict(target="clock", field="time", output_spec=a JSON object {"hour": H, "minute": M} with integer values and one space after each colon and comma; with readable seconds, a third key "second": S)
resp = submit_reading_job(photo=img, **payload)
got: {"hour": 10, "minute": 24, "second": 43}
